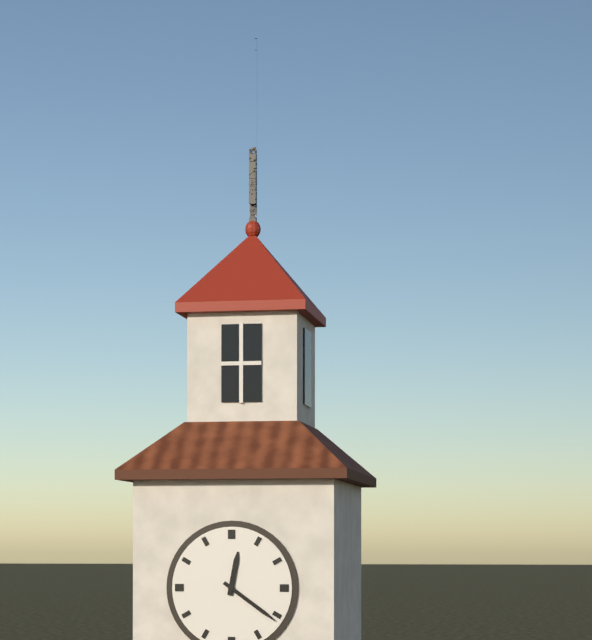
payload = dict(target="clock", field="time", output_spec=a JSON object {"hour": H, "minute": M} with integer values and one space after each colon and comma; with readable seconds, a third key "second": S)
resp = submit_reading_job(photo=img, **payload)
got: {"hour": 12, "minute": 21}
